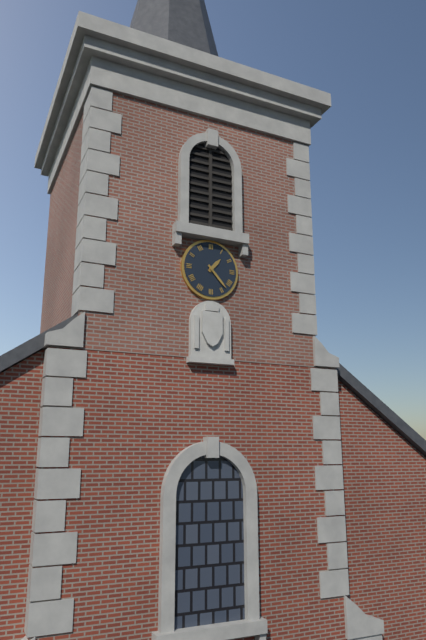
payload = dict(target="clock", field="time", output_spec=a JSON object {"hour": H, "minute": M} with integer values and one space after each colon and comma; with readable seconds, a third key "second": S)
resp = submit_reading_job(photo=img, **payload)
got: {"hour": 1, "minute": 23}
